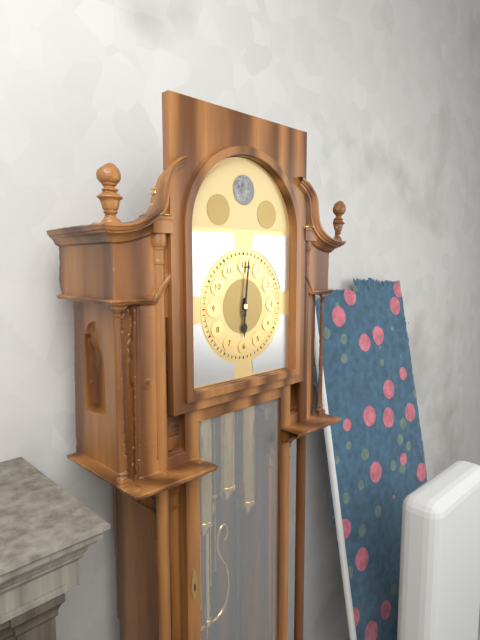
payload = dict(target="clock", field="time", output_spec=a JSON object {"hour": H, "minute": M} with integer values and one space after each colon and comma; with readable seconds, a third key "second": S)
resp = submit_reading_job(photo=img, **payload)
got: {"hour": 6, "minute": 1}
